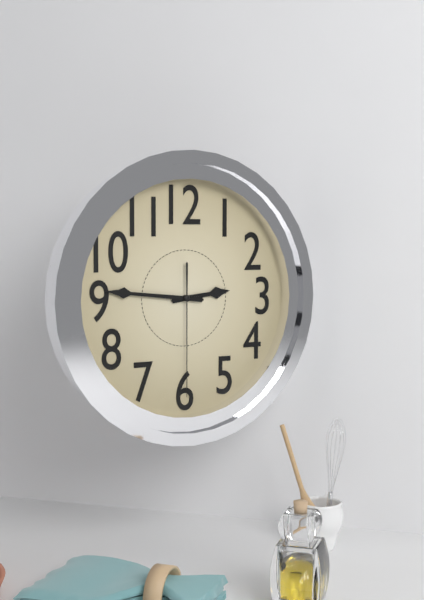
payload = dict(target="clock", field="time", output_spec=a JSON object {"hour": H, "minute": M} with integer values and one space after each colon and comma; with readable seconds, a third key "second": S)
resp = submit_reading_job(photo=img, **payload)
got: {"hour": 2, "minute": 46, "second": 30}
